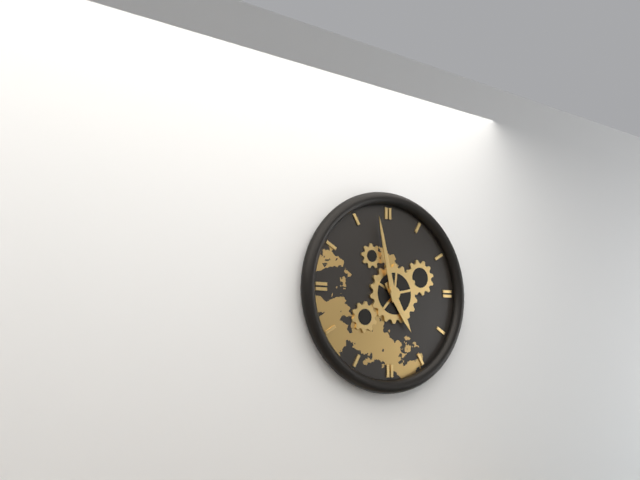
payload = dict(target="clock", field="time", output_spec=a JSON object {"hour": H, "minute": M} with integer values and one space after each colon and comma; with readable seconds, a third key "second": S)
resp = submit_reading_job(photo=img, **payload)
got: {"hour": 4, "minute": 58}
